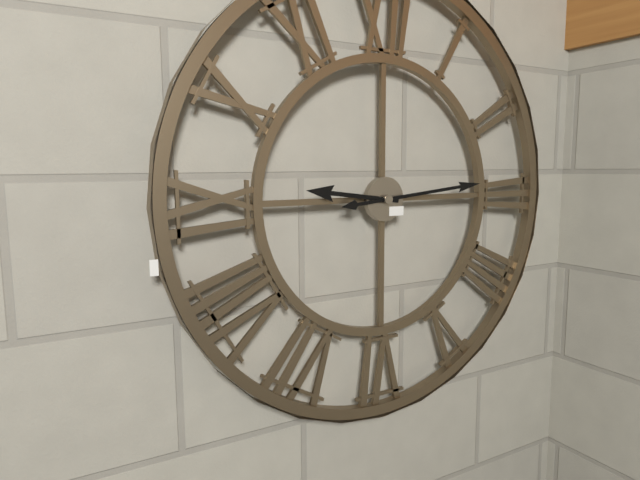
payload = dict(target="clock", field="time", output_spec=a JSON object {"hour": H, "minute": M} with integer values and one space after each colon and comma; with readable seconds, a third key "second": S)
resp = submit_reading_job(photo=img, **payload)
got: {"hour": 9, "minute": 14}
